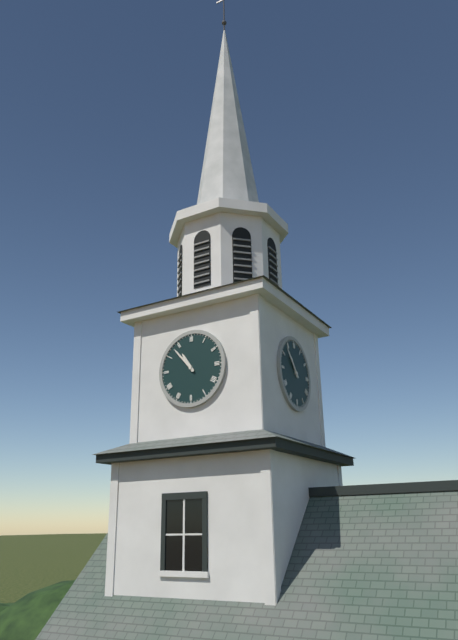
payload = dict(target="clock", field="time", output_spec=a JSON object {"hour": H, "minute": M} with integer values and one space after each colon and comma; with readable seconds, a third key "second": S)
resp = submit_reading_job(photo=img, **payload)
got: {"hour": 10, "minute": 53}
